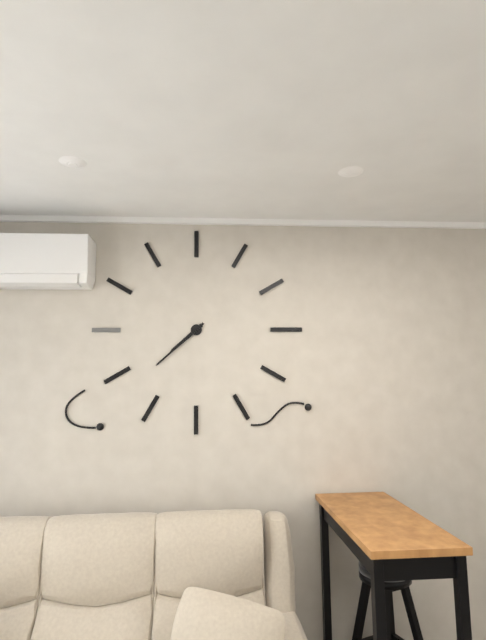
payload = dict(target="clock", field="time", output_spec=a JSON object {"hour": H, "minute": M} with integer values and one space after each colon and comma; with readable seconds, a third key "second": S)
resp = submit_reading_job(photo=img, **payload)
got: {"hour": 7, "minute": 38}
